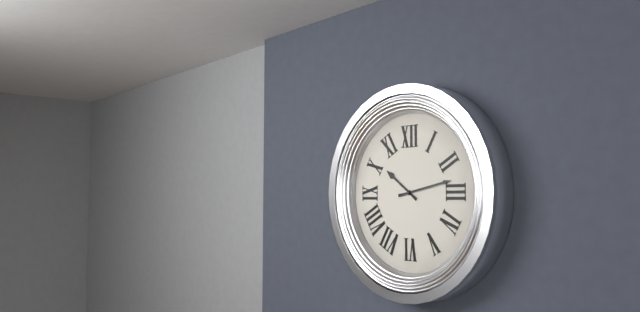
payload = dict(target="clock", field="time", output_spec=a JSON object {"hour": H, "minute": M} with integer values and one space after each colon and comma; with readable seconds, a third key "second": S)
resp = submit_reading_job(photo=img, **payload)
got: {"hour": 10, "minute": 13}
